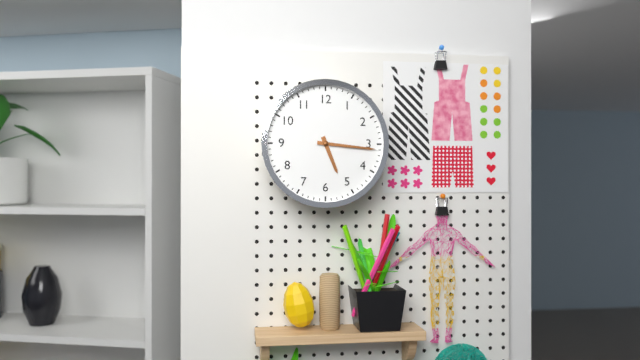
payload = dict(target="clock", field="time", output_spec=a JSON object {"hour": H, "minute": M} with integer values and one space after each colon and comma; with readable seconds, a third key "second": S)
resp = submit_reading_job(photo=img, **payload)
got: {"hour": 5, "minute": 16}
